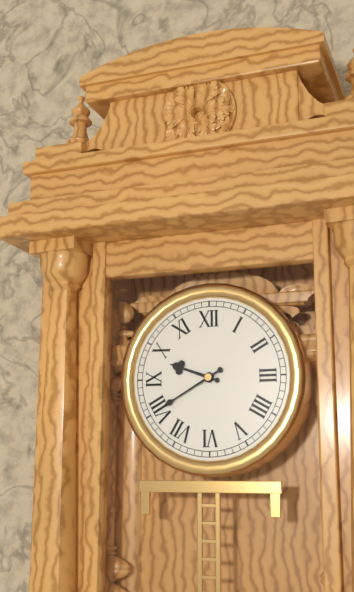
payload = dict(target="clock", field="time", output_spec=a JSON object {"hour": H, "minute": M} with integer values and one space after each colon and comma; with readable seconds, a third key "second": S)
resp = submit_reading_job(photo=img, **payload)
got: {"hour": 9, "minute": 40}
